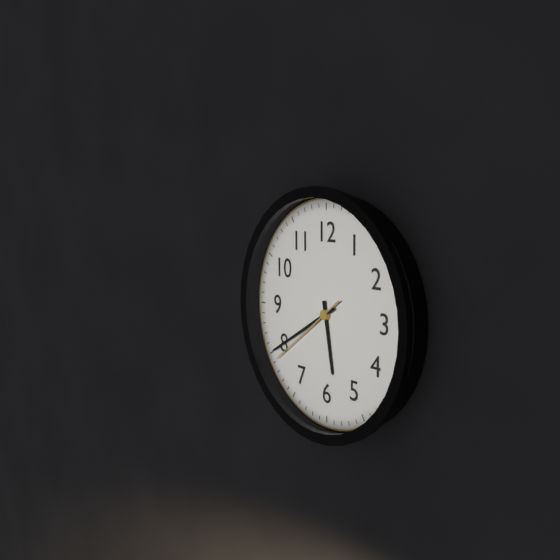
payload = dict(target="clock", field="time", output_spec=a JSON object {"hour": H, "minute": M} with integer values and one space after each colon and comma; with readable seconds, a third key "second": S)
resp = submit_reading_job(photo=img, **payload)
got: {"hour": 5, "minute": 40, "second": 39}
